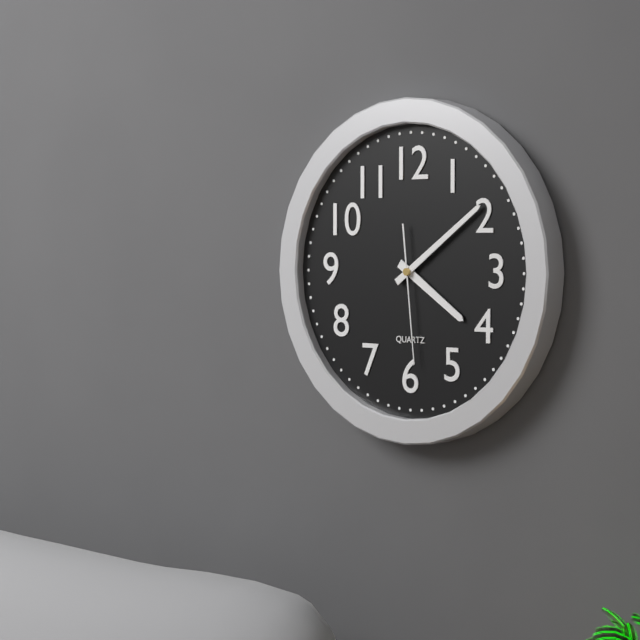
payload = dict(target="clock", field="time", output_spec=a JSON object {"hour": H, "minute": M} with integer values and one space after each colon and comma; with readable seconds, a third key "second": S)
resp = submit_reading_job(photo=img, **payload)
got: {"hour": 4, "minute": 9, "second": 29}
